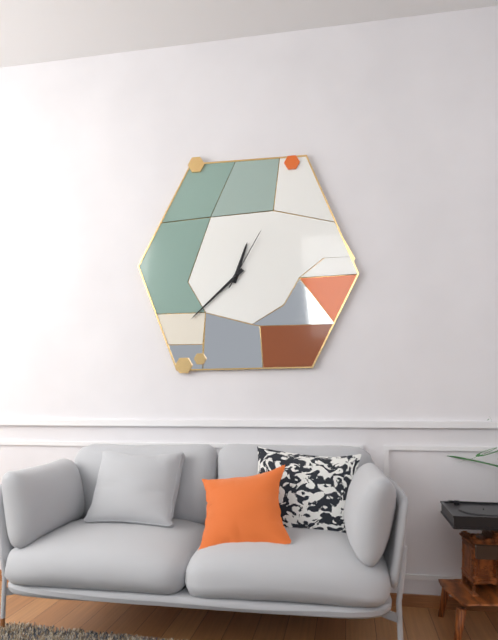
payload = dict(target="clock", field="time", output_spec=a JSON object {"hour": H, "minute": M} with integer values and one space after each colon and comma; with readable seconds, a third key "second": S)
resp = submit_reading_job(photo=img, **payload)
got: {"hour": 12, "minute": 38, "second": 5}
